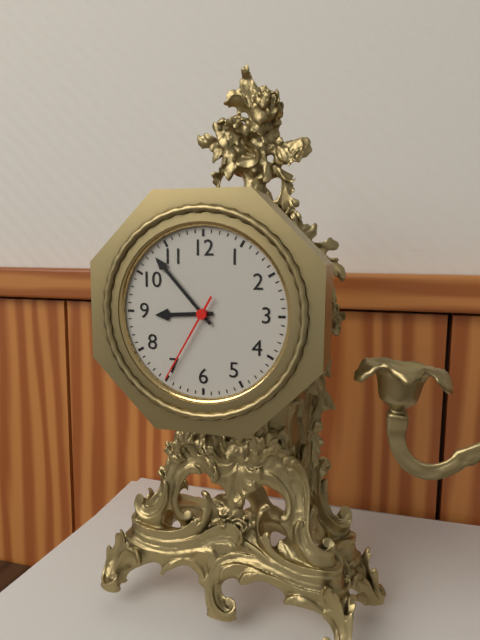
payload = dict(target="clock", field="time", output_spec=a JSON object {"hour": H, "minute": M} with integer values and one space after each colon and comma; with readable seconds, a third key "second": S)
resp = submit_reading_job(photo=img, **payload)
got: {"hour": 8, "minute": 53, "second": 35}
